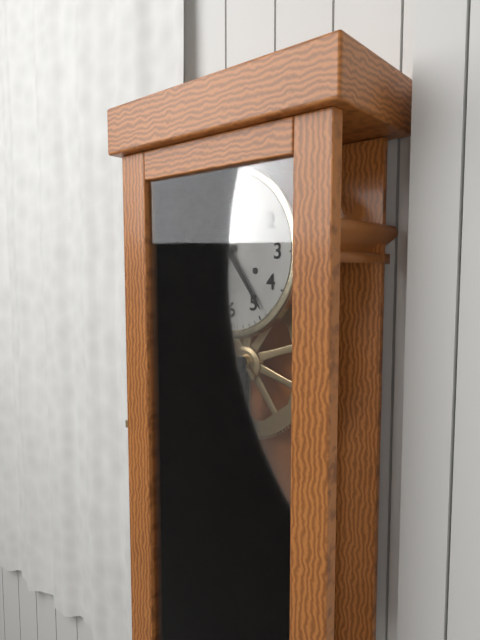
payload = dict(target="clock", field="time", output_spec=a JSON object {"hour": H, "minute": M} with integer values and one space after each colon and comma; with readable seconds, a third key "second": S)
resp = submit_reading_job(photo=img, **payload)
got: {"hour": 7, "minute": 24}
